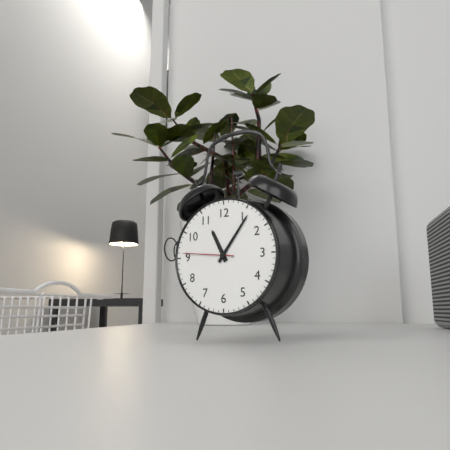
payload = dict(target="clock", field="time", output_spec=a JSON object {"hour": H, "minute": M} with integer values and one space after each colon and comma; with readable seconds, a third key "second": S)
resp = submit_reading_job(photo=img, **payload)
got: {"hour": 11, "minute": 6, "second": 46}
